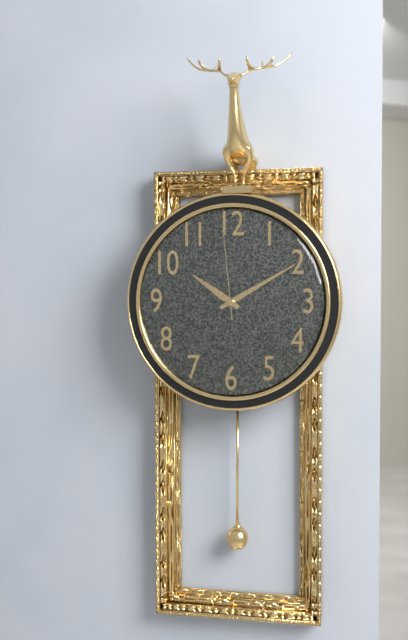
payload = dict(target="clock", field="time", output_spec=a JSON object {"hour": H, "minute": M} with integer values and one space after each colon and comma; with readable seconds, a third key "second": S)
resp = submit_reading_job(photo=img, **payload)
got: {"hour": 10, "minute": 10, "second": 59}
